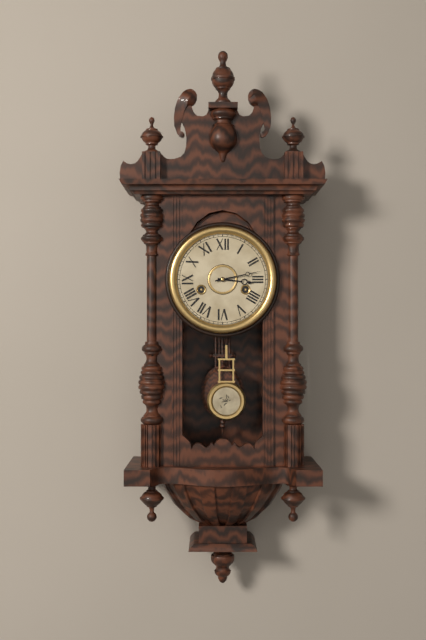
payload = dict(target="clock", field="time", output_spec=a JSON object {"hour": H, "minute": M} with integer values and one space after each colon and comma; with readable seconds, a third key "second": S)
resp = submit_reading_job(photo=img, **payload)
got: {"hour": 3, "minute": 13}
